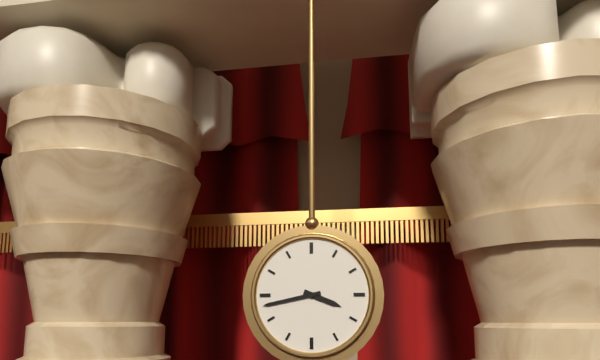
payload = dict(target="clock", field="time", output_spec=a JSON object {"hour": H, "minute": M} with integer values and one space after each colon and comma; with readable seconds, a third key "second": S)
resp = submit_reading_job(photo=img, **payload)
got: {"hour": 3, "minute": 43}
